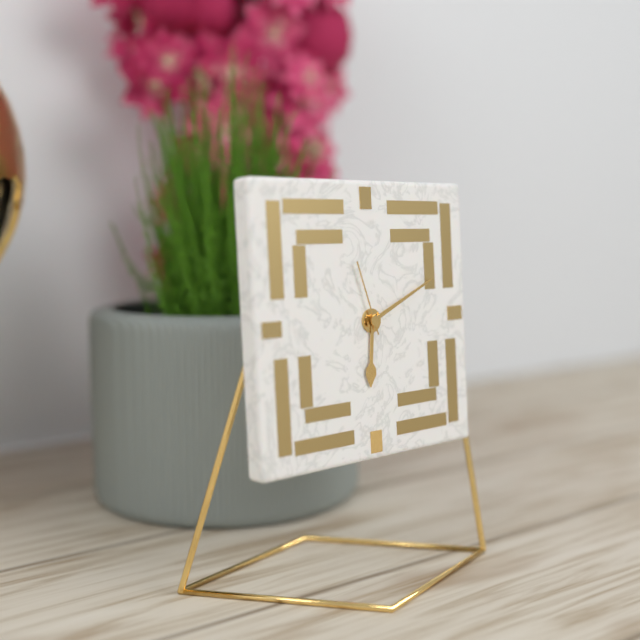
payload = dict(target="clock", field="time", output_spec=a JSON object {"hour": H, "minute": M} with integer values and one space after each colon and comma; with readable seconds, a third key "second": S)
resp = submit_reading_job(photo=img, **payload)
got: {"hour": 6, "minute": 11, "second": 57}
